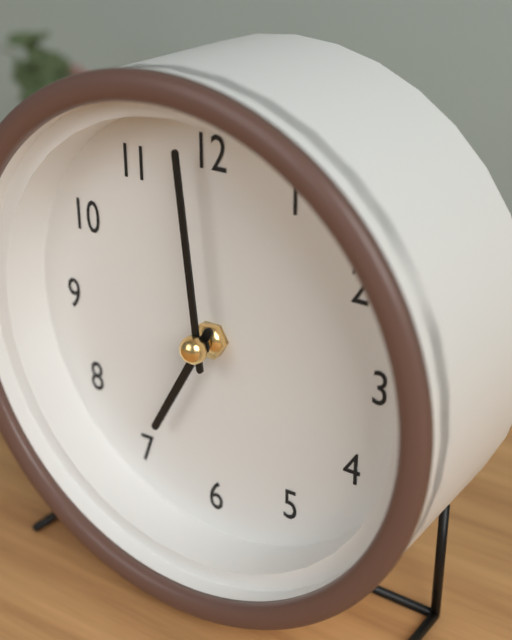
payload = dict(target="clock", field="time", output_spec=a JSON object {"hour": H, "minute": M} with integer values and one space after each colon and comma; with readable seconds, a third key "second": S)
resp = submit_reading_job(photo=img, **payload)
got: {"hour": 6, "minute": 59}
